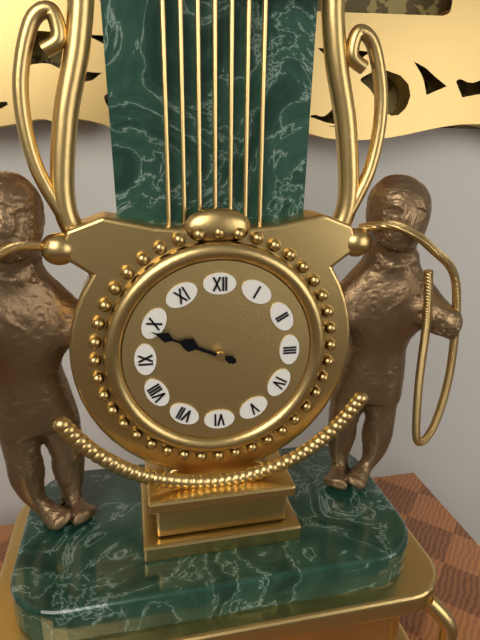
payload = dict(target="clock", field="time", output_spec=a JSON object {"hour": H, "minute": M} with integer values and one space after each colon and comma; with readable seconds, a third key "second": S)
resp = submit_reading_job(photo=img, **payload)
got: {"hour": 9, "minute": 49}
